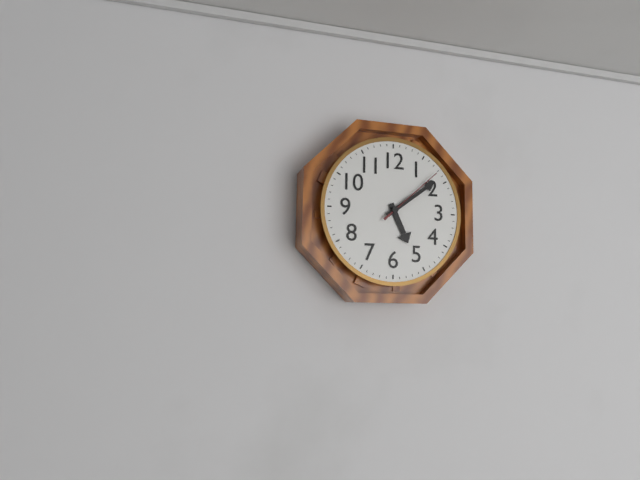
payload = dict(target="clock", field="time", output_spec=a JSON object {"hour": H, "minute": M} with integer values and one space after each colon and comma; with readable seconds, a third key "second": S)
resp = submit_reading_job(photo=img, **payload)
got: {"hour": 5, "minute": 9, "second": 8}
